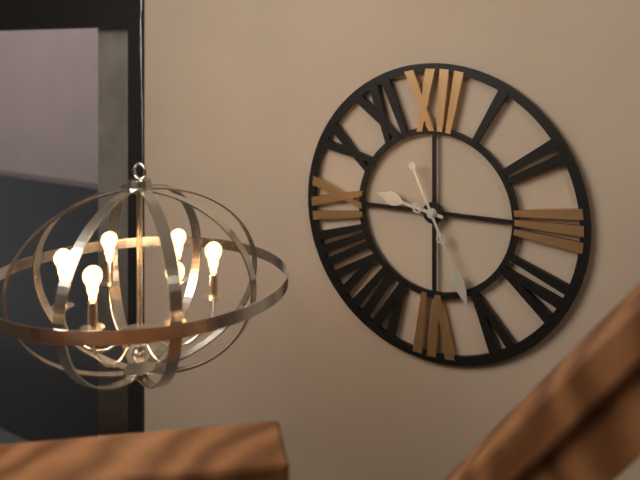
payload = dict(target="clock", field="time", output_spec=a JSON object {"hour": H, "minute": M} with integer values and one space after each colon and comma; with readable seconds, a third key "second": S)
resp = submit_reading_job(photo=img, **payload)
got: {"hour": 9, "minute": 26}
